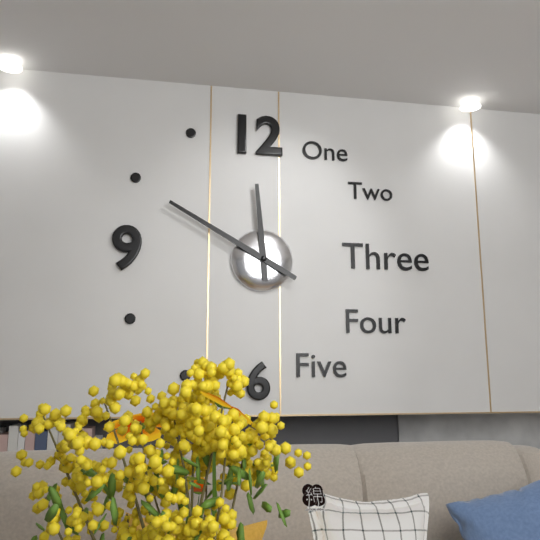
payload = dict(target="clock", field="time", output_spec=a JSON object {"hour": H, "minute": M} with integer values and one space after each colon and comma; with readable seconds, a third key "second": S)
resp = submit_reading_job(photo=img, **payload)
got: {"hour": 11, "minute": 50}
